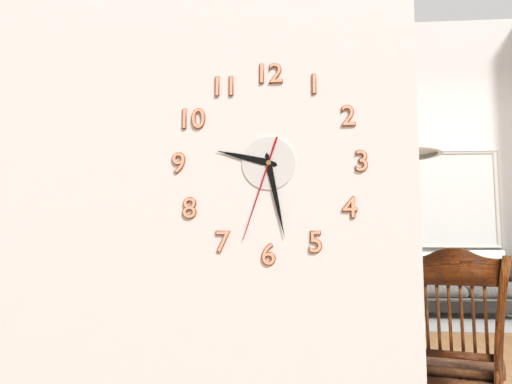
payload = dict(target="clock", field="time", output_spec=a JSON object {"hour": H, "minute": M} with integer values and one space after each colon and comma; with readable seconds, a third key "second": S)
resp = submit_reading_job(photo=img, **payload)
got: {"hour": 9, "minute": 28, "second": 33}
